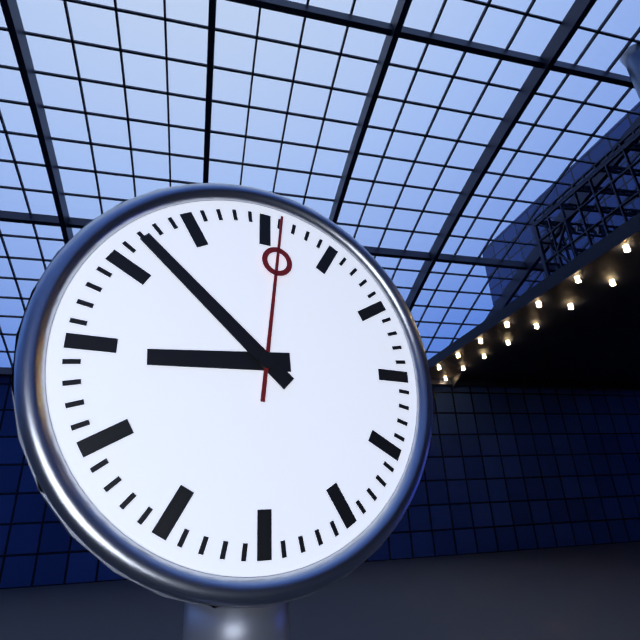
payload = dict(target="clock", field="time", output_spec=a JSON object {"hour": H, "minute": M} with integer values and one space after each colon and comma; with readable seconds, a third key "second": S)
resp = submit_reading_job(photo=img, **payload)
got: {"hour": 8, "minute": 52, "second": 1}
